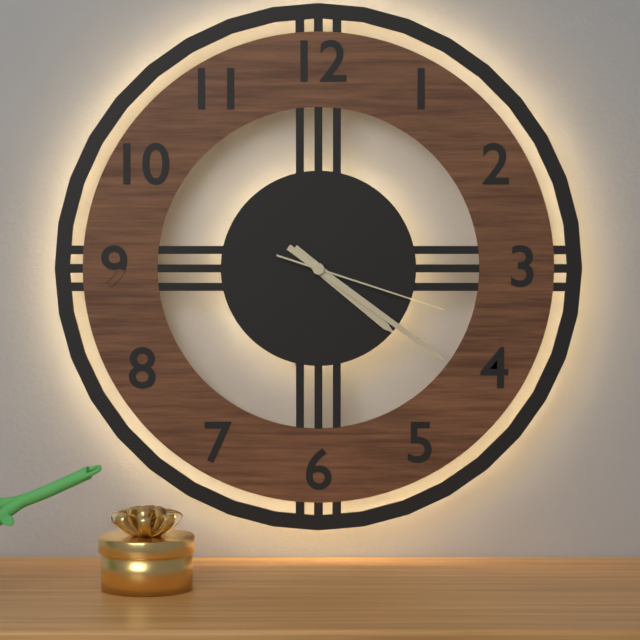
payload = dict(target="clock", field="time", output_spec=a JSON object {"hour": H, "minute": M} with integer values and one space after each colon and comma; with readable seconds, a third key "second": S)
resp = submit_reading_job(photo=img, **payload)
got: {"hour": 4, "minute": 21, "second": 18}
